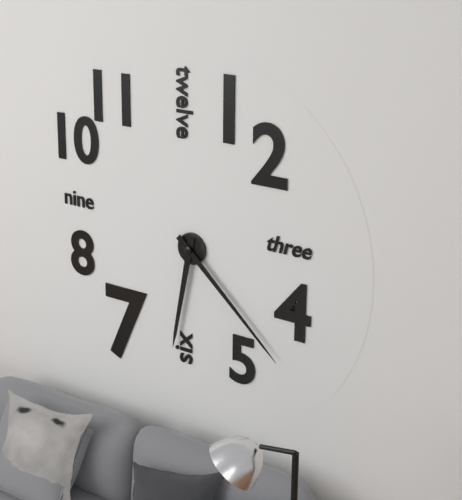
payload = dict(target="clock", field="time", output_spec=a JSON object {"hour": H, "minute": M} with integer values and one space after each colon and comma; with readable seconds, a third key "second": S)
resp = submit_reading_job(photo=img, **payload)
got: {"hour": 6, "minute": 22}
